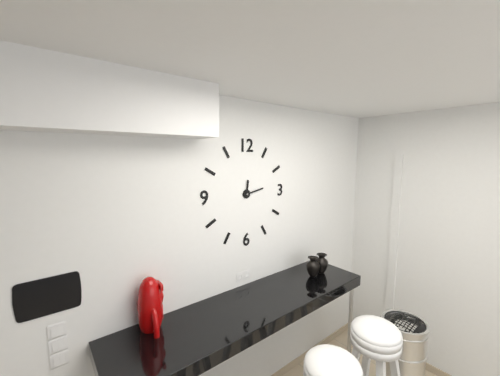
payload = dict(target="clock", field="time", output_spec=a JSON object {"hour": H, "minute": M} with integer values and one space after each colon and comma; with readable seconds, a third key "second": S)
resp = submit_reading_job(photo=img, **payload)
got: {"hour": 12, "minute": 13}
